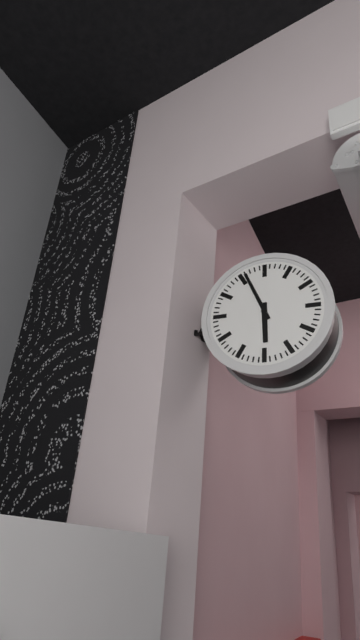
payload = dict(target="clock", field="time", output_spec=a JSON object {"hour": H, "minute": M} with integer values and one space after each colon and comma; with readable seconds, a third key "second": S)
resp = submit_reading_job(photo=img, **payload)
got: {"hour": 5, "minute": 56}
